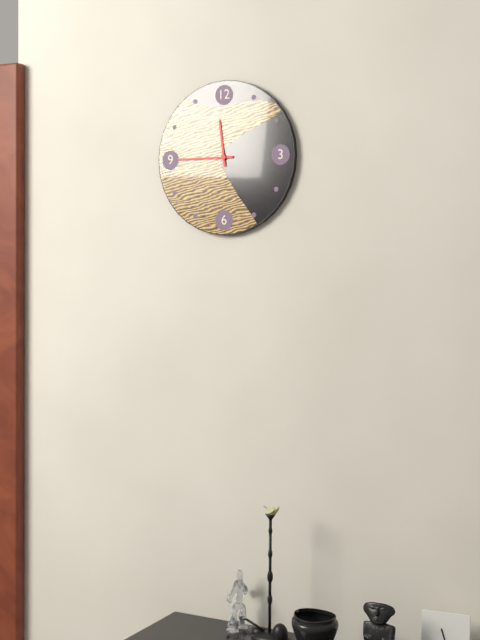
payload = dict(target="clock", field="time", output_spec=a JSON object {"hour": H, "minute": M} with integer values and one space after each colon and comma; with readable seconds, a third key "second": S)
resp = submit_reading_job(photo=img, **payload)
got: {"hour": 11, "minute": 45}
